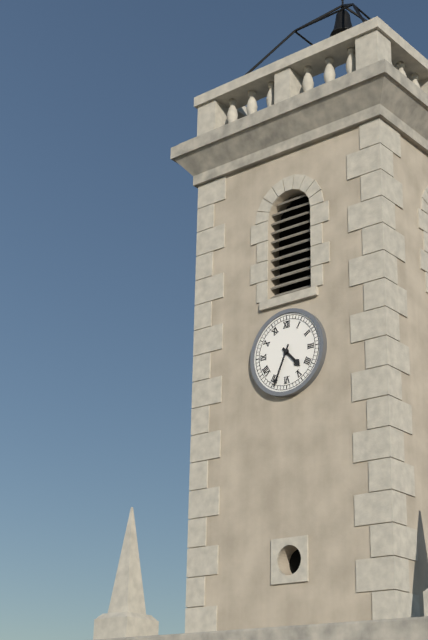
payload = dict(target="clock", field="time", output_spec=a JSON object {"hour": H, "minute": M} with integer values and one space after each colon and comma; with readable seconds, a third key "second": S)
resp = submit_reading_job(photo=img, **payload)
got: {"hour": 4, "minute": 34}
